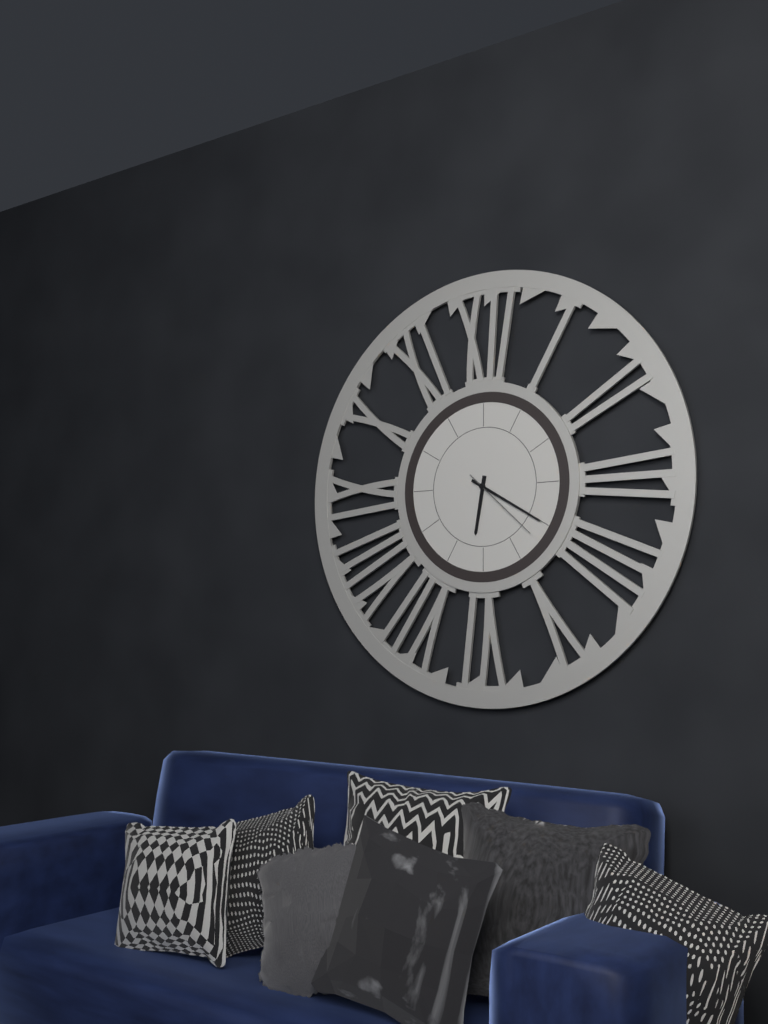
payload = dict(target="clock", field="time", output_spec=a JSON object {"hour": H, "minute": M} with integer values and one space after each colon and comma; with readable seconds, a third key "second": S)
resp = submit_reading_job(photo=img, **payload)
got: {"hour": 6, "minute": 20, "second": 22}
